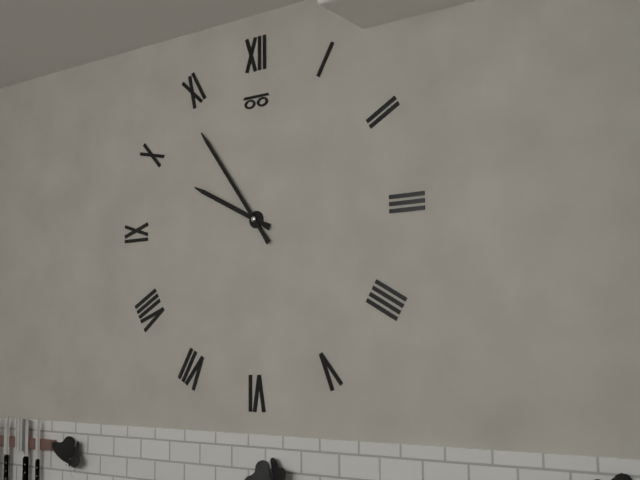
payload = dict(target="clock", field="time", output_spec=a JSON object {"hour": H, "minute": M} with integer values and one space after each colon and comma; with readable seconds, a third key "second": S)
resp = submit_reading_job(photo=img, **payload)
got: {"hour": 9, "minute": 54}
